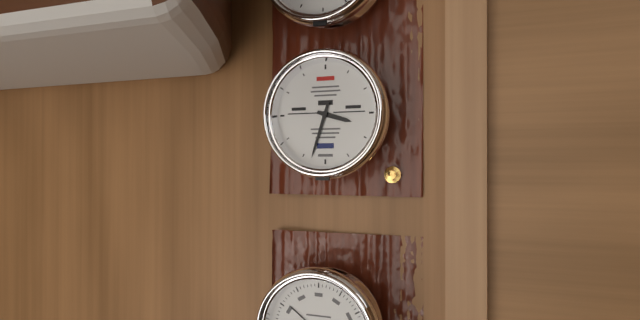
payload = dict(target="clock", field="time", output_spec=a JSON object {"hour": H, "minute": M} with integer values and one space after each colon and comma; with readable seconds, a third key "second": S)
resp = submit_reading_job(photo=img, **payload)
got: {"hour": 3, "minute": 33}
